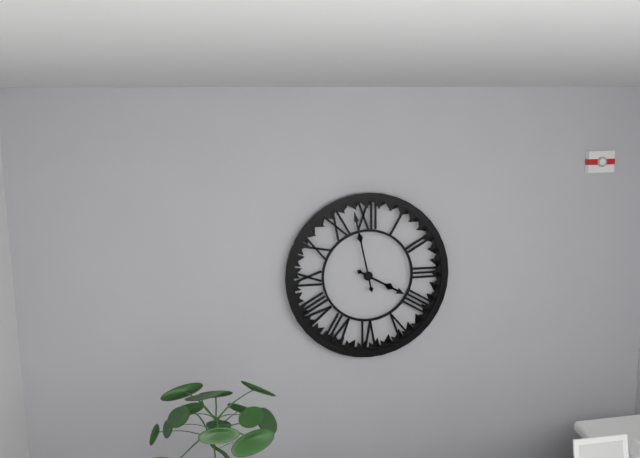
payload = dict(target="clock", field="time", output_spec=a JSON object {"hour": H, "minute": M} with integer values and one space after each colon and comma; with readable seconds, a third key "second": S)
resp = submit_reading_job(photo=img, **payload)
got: {"hour": 3, "minute": 58}
